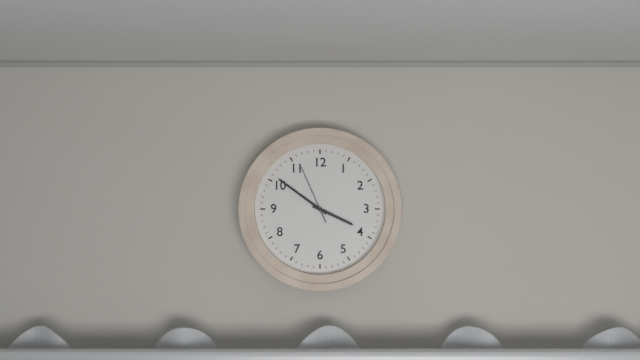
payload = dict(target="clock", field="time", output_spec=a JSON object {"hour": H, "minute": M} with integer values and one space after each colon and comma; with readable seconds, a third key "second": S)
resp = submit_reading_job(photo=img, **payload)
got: {"hour": 3, "minute": 51, "second": 56}
